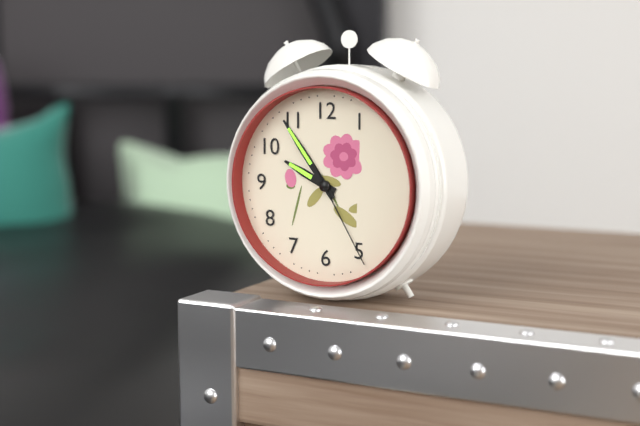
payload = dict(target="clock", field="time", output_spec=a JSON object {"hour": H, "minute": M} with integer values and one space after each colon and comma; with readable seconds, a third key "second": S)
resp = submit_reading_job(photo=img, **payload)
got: {"hour": 9, "minute": 54, "second": 25}
